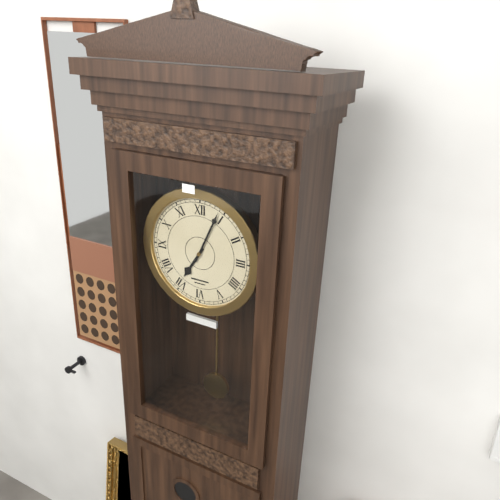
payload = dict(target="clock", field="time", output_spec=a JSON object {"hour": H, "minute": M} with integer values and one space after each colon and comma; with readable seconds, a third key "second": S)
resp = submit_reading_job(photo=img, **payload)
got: {"hour": 7, "minute": 4}
